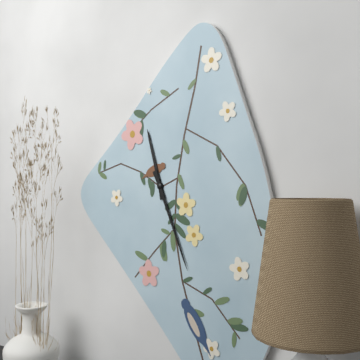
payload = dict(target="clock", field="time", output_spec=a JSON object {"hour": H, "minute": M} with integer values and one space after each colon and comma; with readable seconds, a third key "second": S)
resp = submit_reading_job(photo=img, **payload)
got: {"hour": 11, "minute": 26}
